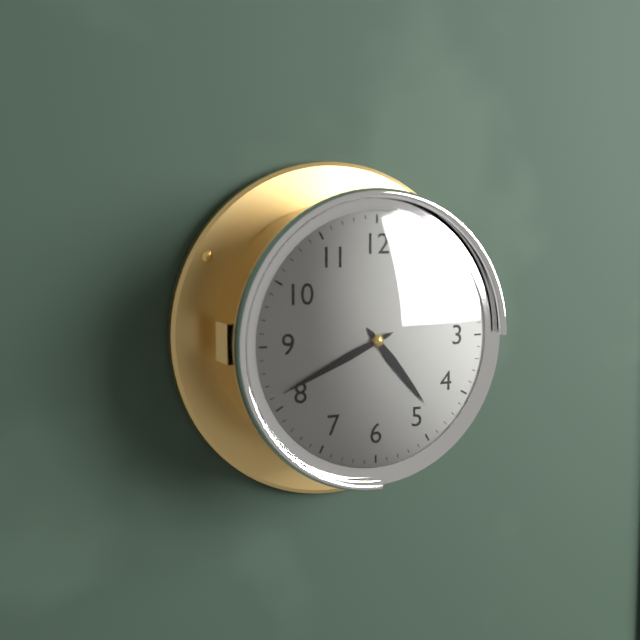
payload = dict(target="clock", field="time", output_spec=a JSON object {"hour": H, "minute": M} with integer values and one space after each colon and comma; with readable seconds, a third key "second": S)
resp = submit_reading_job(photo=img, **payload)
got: {"hour": 4, "minute": 41}
